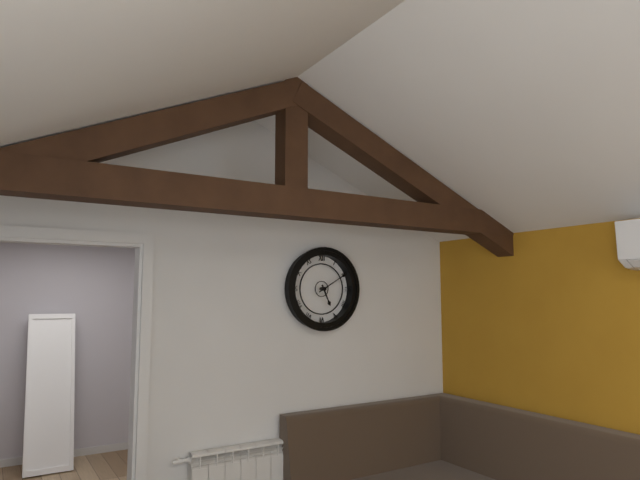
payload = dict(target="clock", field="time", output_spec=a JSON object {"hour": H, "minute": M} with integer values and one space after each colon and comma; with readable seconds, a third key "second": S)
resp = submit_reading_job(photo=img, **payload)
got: {"hour": 5, "minute": 10}
